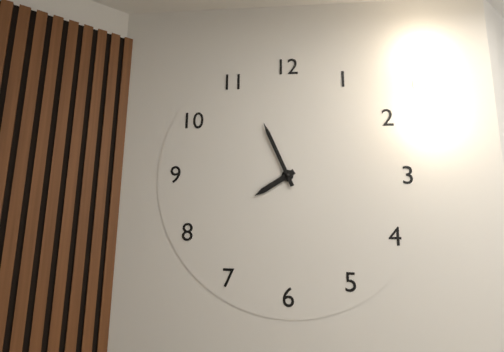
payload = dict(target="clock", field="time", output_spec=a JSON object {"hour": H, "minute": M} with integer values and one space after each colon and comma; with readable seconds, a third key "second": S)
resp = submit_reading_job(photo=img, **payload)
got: {"hour": 7, "minute": 56}
